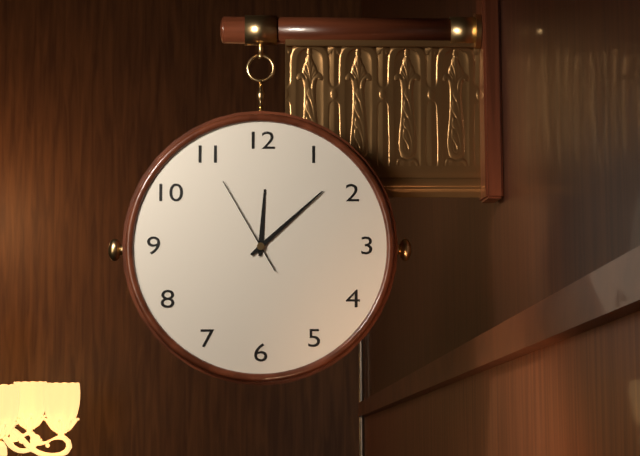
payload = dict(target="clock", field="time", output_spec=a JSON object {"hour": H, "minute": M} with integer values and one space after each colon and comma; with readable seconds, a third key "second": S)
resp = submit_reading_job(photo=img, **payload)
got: {"hour": 12, "minute": 8, "second": 55}
